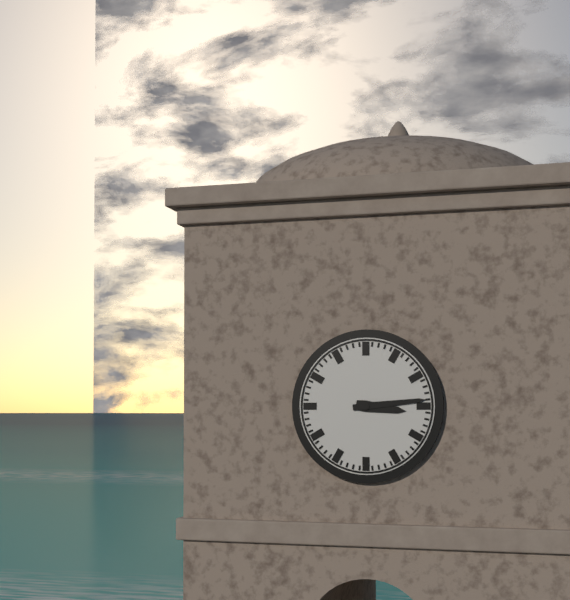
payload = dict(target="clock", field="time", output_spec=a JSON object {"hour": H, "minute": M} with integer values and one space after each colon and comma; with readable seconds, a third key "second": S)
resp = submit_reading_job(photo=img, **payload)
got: {"hour": 3, "minute": 14}
